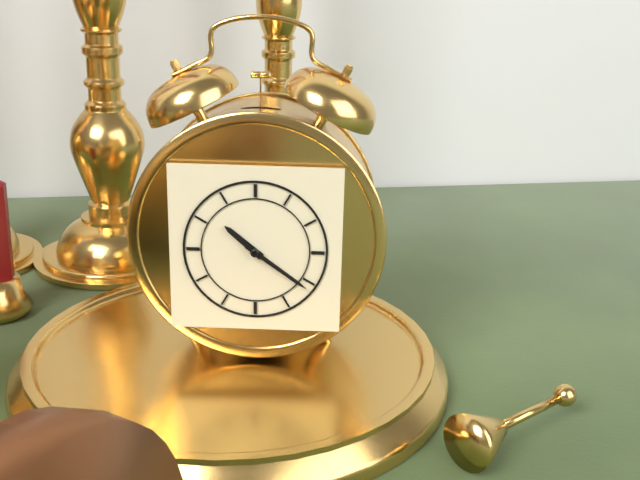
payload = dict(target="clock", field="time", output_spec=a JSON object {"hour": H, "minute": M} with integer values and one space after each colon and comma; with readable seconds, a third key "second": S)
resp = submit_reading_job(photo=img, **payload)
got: {"hour": 10, "minute": 21}
